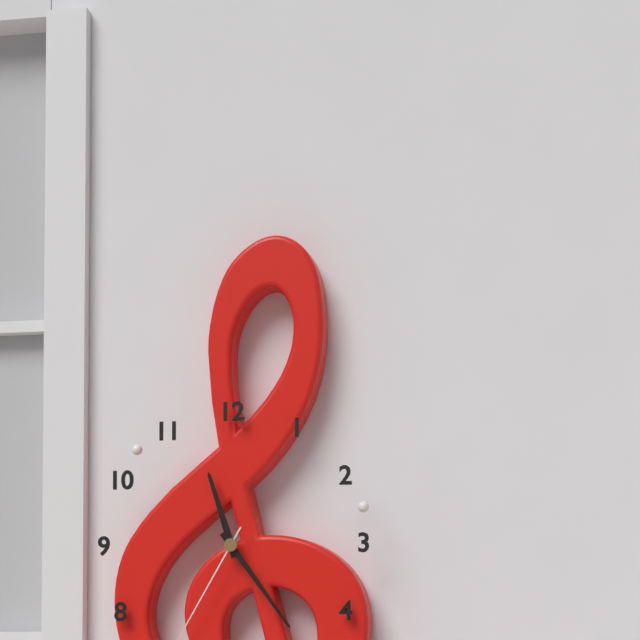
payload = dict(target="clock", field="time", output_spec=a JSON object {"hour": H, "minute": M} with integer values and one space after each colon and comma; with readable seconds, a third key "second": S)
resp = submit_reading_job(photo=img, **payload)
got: {"hour": 11, "minute": 24}
